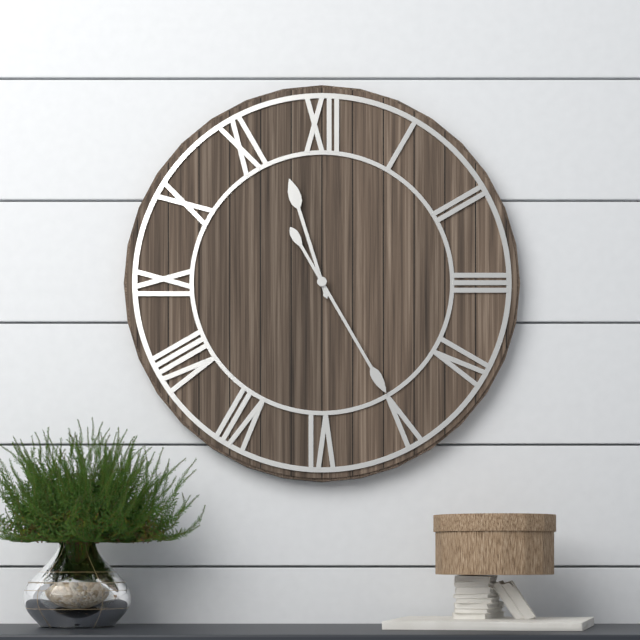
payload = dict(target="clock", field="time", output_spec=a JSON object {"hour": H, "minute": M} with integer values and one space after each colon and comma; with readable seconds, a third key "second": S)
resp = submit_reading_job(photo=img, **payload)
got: {"hour": 11, "minute": 25}
